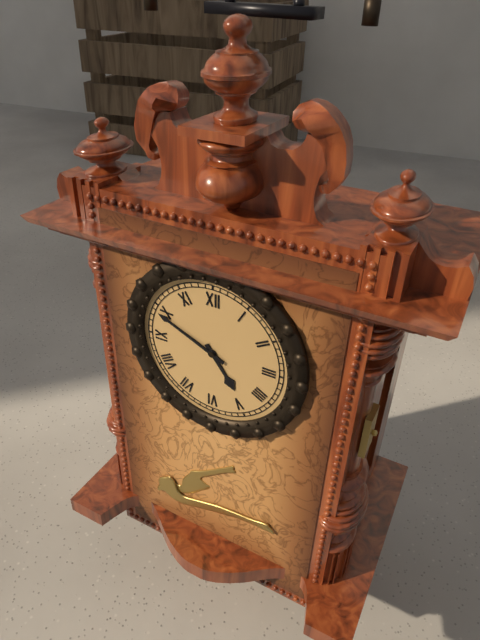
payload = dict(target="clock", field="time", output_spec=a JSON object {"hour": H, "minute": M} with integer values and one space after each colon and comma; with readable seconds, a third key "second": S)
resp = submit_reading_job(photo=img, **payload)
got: {"hour": 4, "minute": 49}
